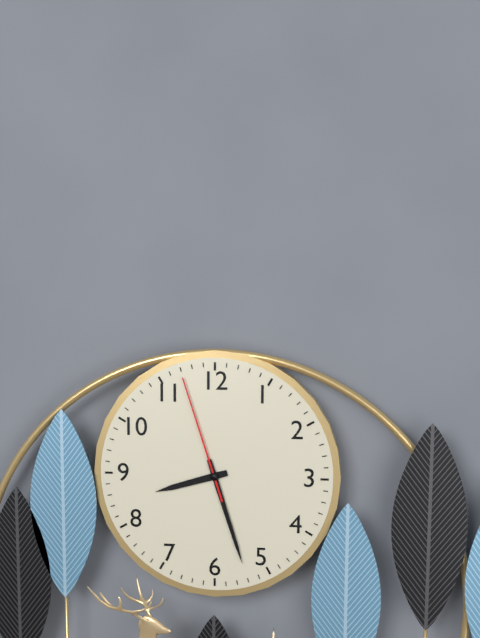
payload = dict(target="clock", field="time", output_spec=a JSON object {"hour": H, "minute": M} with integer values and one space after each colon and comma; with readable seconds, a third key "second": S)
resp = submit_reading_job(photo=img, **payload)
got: {"hour": 8, "minute": 27, "second": 57}
